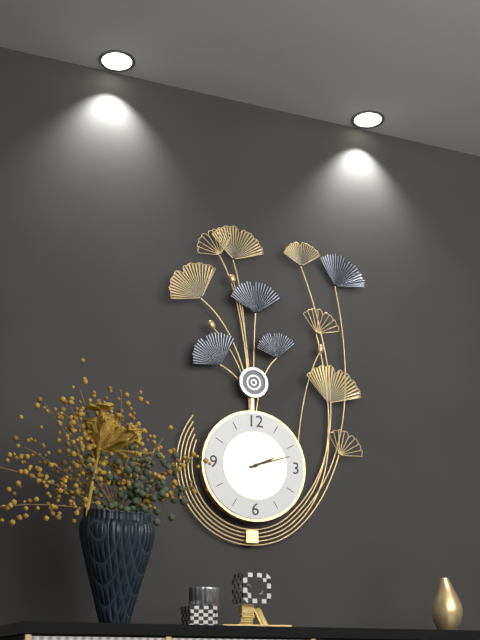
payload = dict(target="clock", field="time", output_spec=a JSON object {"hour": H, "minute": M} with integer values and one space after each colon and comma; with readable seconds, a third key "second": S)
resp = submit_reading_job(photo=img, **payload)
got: {"hour": 2, "minute": 12}
